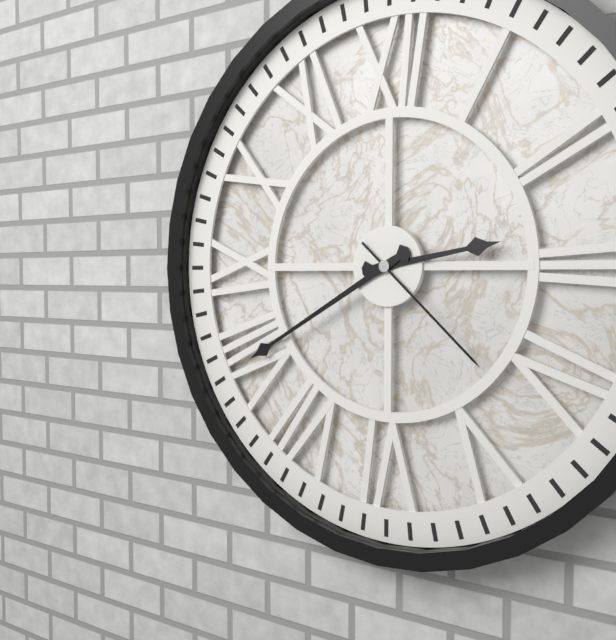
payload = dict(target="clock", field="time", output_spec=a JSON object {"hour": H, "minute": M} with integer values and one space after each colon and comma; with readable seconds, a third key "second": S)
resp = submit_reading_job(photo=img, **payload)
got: {"hour": 2, "minute": 40, "second": 22}
